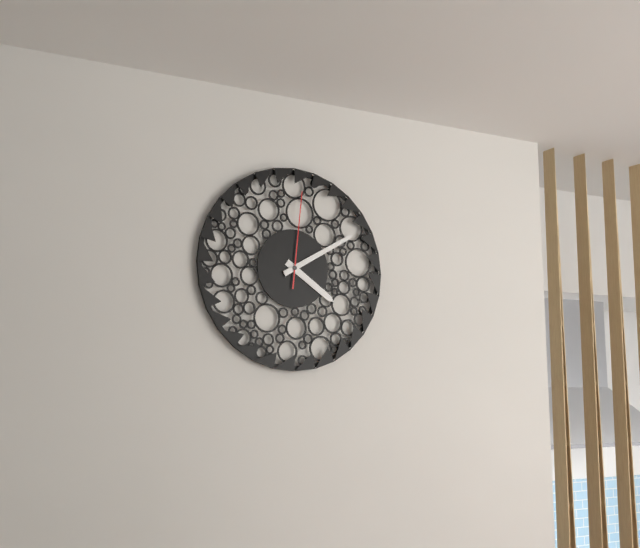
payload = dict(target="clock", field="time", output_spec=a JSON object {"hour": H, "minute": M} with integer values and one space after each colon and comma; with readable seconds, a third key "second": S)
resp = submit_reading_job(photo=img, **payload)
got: {"hour": 4, "minute": 10, "second": 1}
